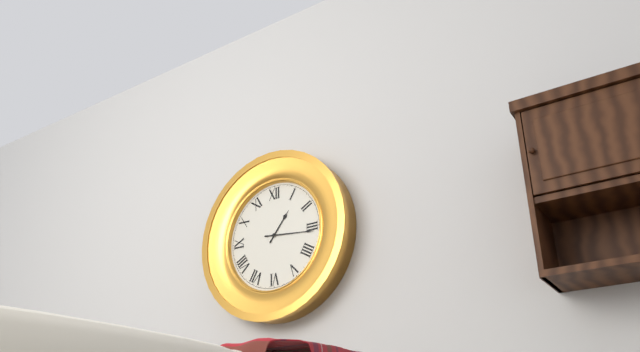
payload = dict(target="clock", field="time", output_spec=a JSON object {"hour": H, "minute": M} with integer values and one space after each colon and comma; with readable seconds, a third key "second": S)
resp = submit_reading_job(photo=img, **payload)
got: {"hour": 1, "minute": 16}
